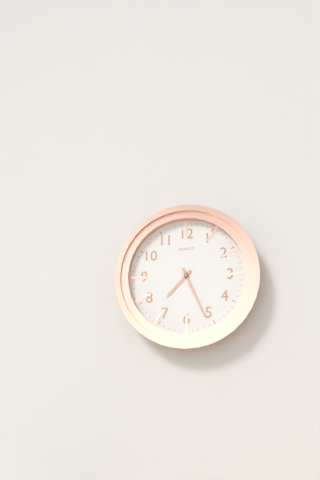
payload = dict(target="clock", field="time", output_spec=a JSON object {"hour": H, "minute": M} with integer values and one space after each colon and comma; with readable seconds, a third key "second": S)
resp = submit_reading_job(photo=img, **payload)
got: {"hour": 7, "minute": 26}
